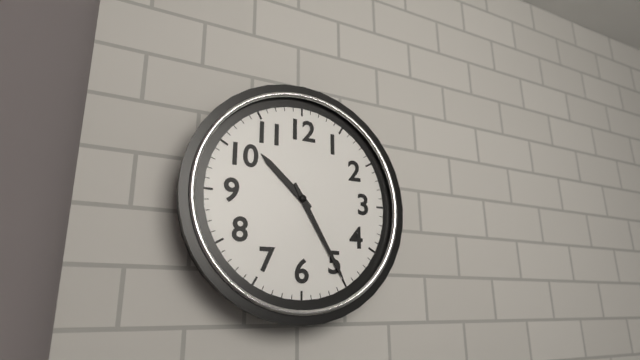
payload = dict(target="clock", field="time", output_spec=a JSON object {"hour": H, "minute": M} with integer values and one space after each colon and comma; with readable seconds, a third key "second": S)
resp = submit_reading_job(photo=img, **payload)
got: {"hour": 10, "minute": 25}
